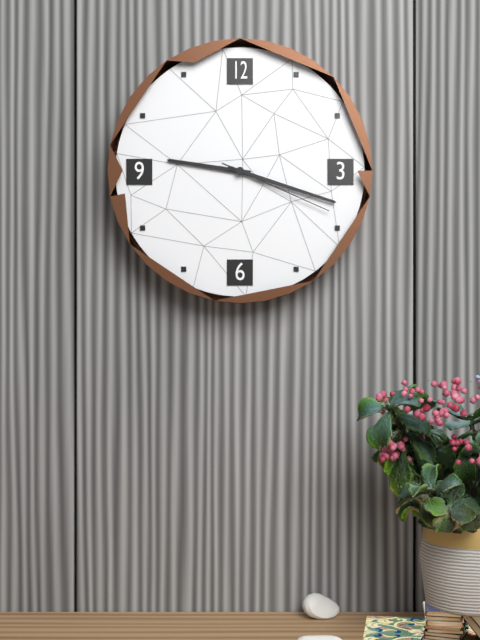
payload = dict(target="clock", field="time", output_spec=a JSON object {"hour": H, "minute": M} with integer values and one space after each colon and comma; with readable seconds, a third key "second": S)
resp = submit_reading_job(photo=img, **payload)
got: {"hour": 9, "minute": 18, "second": 19}
